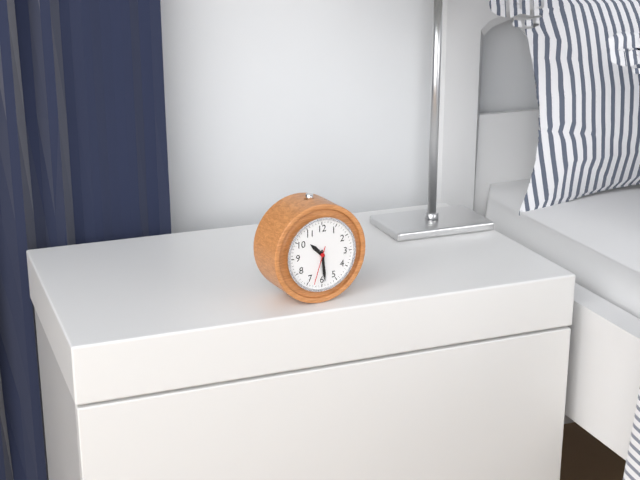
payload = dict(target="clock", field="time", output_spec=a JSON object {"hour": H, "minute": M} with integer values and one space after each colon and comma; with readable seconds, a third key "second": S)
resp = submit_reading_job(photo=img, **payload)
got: {"hour": 10, "minute": 29}
